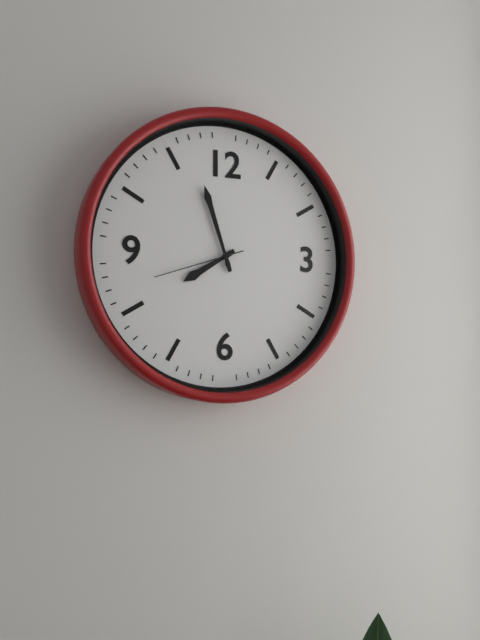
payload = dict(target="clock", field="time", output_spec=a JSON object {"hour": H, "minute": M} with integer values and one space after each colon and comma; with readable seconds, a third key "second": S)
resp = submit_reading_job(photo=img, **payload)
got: {"hour": 7, "minute": 57, "second": 42}
